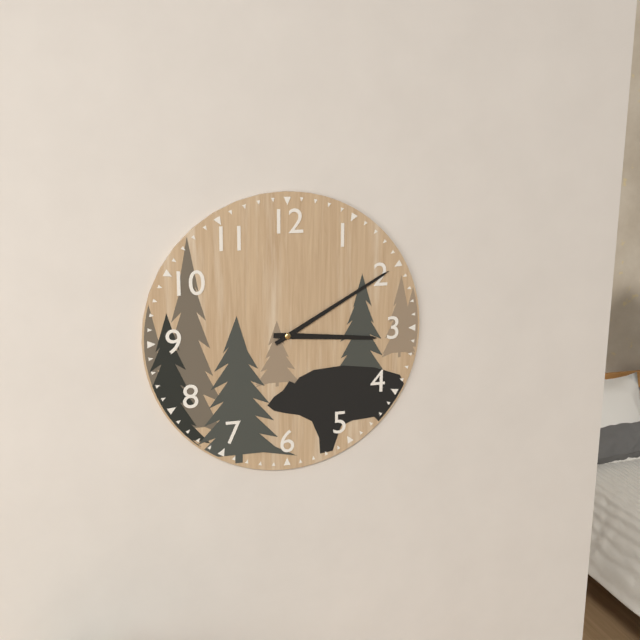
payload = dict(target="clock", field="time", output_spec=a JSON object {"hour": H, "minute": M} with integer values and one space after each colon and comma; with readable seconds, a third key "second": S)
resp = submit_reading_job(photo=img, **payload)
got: {"hour": 3, "minute": 10}
